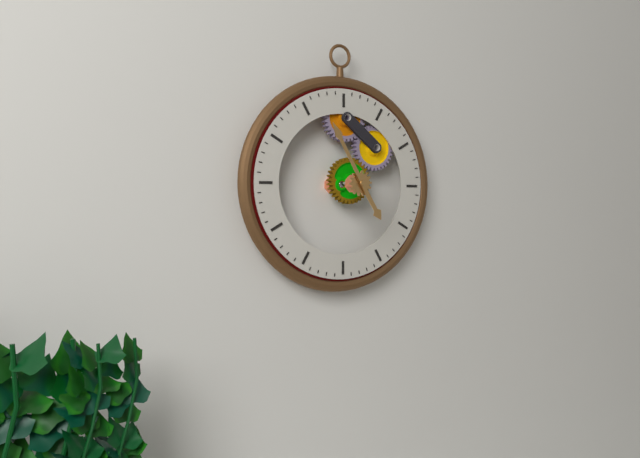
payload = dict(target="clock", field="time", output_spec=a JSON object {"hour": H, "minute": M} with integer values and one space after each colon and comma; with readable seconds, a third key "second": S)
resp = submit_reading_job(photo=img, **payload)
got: {"hour": 4, "minute": 55}
